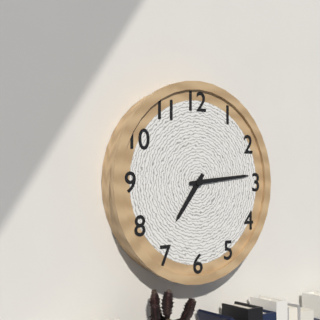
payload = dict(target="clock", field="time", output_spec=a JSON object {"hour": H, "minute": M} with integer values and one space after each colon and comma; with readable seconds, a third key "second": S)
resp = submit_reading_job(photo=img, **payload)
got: {"hour": 7, "minute": 14}
